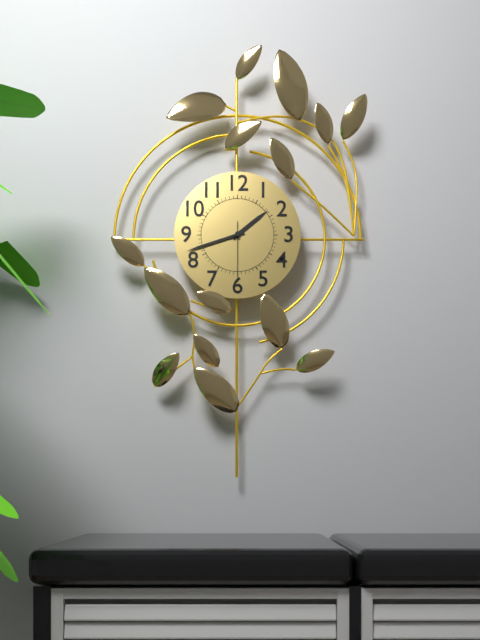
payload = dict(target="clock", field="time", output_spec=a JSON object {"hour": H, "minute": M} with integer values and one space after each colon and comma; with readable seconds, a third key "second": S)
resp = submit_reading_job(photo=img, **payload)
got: {"hour": 1, "minute": 42, "second": 30}
